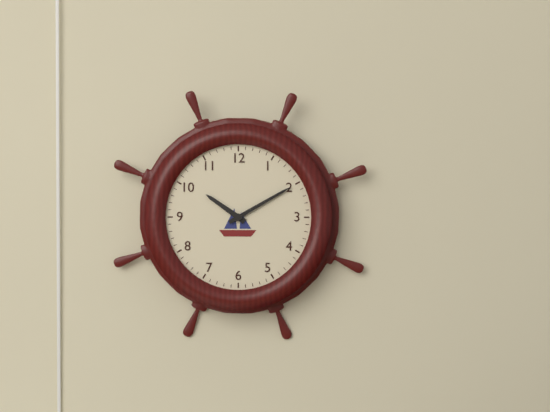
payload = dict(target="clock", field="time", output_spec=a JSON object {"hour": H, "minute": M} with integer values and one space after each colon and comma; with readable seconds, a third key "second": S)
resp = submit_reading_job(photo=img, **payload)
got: {"hour": 10, "minute": 10}
